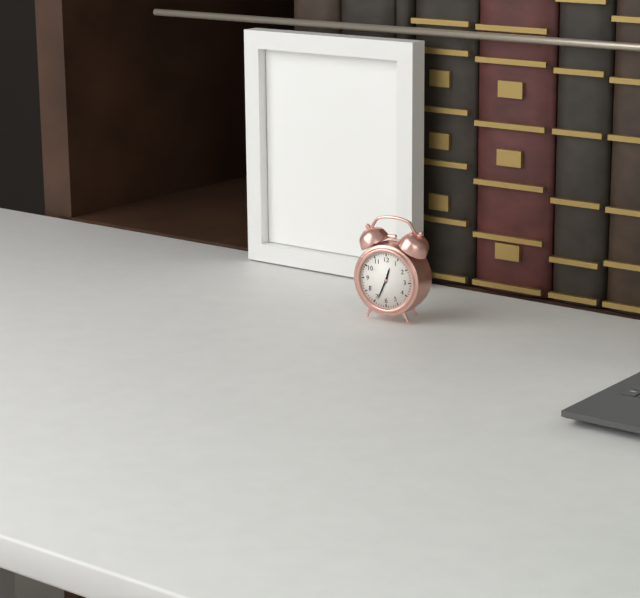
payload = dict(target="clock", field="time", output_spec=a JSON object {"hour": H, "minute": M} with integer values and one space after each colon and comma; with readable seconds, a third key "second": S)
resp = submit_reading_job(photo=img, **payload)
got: {"hour": 12, "minute": 34}
